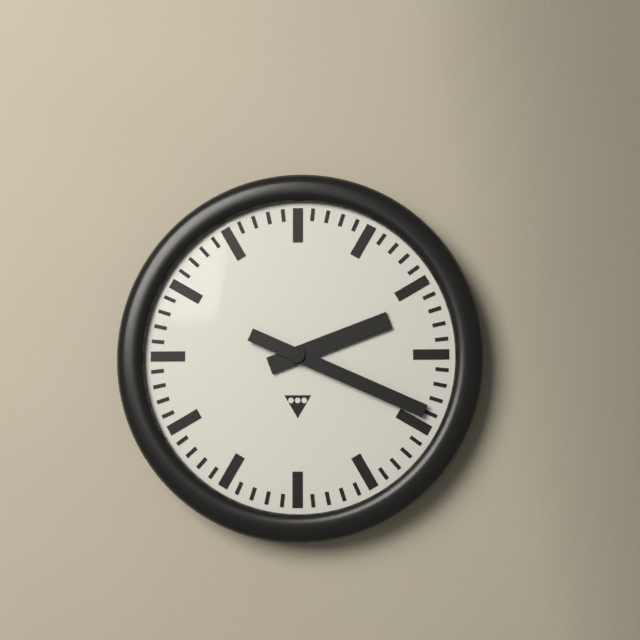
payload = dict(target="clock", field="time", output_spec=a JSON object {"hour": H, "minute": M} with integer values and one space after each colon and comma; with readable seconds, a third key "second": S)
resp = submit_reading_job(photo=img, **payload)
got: {"hour": 2, "minute": 19}
